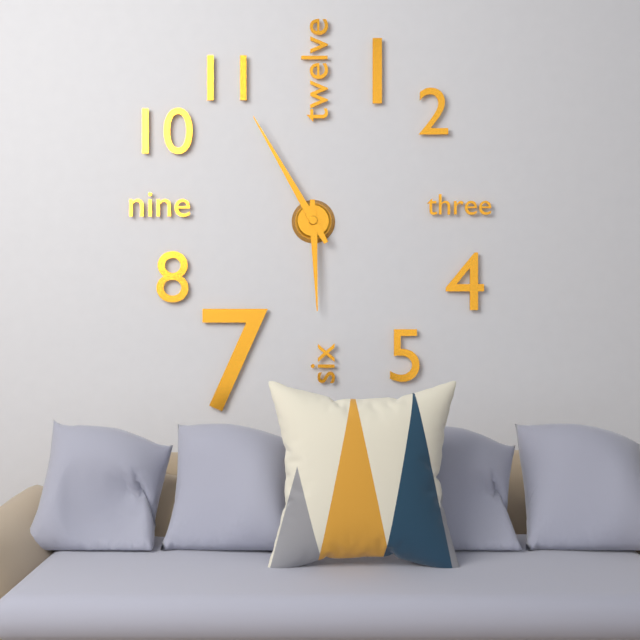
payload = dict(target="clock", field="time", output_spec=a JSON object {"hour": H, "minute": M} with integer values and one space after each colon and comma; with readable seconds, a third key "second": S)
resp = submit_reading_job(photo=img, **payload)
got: {"hour": 5, "minute": 55}
